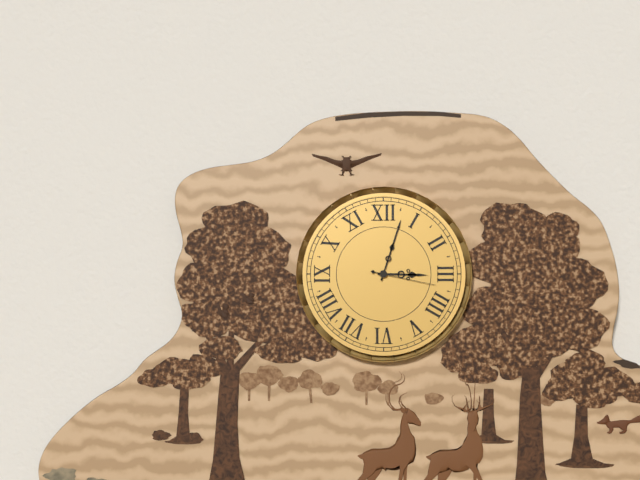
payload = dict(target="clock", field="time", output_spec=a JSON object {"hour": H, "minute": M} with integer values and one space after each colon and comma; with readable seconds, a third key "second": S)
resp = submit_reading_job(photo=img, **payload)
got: {"hour": 3, "minute": 3, "second": 17}
